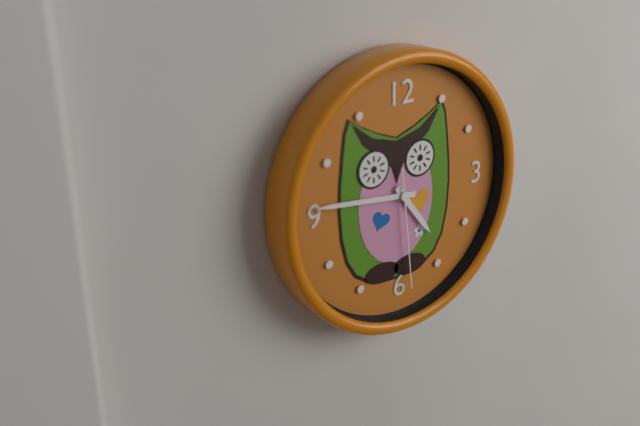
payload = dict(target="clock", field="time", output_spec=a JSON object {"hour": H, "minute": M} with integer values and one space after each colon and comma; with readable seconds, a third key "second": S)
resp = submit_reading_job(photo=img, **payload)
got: {"hour": 4, "minute": 46, "second": 29}
